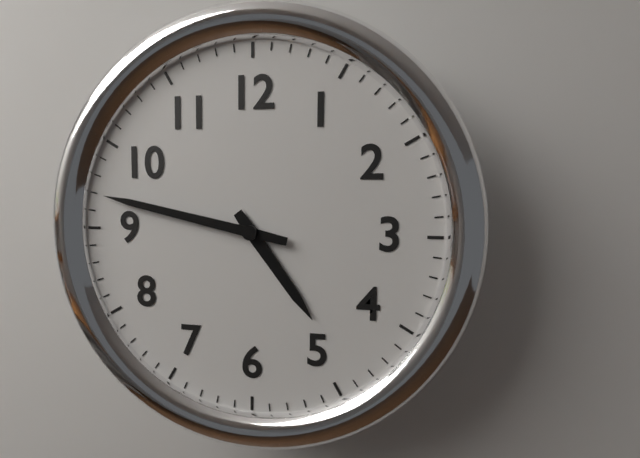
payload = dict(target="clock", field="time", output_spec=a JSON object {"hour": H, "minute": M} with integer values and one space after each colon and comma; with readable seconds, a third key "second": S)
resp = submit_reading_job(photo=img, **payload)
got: {"hour": 4, "minute": 47}
